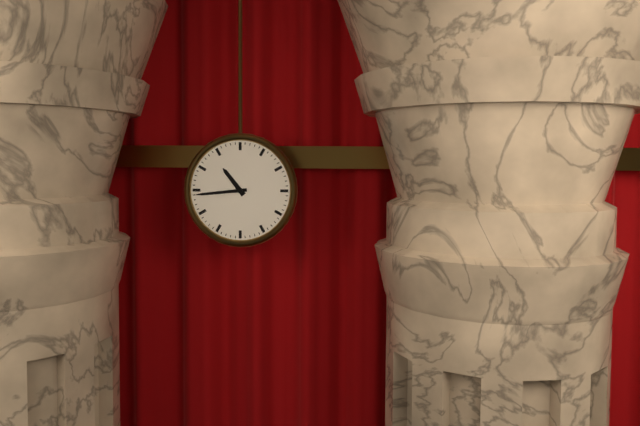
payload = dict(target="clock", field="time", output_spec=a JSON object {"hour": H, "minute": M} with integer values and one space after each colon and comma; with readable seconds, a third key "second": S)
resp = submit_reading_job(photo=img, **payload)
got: {"hour": 10, "minute": 44}
